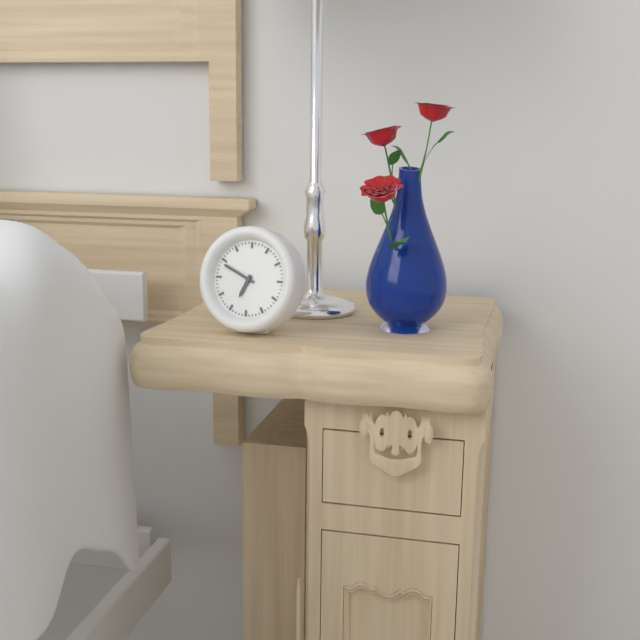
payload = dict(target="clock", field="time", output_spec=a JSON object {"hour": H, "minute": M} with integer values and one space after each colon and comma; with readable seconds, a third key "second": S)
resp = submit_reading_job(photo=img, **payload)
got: {"hour": 6, "minute": 49}
